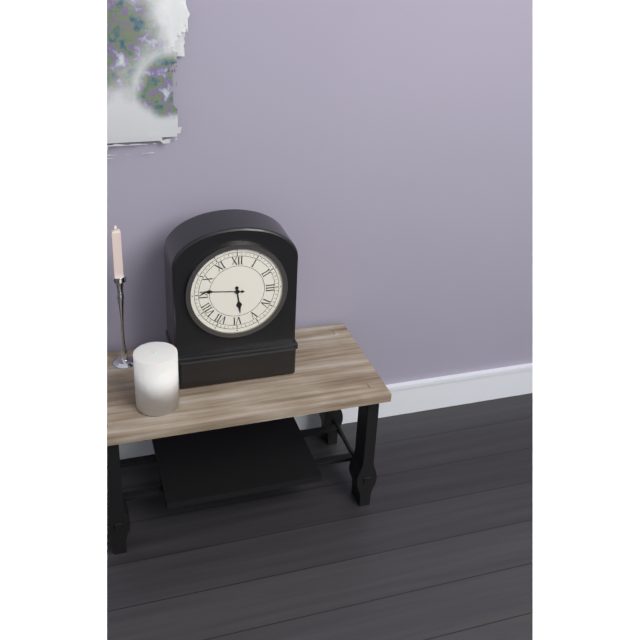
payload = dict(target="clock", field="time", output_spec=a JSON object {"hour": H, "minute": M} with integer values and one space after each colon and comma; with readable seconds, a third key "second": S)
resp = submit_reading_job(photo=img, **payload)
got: {"hour": 5, "minute": 46}
